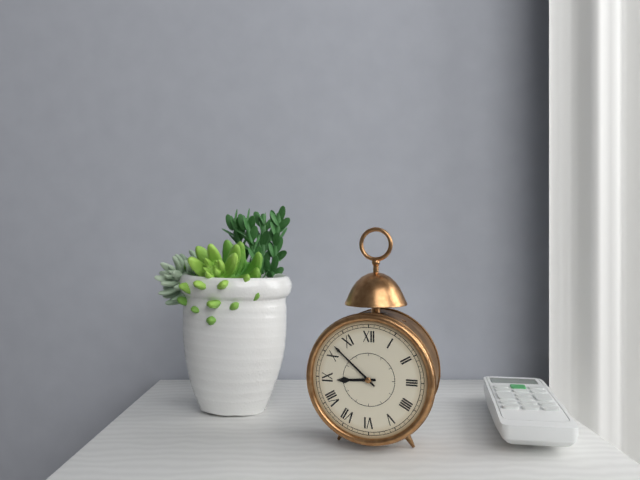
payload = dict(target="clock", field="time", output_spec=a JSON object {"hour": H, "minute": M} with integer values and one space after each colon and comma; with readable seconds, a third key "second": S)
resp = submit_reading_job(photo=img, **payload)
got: {"hour": 8, "minute": 52}
